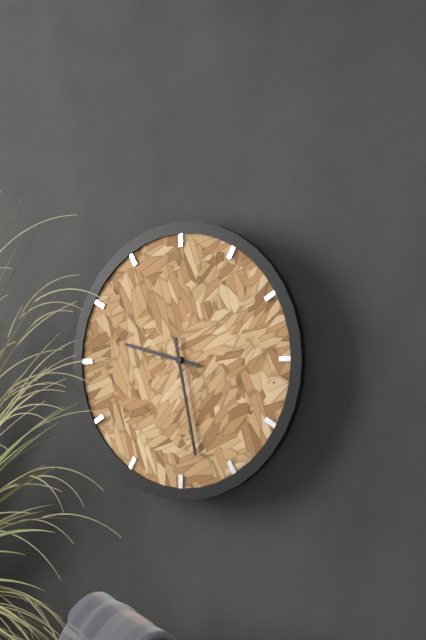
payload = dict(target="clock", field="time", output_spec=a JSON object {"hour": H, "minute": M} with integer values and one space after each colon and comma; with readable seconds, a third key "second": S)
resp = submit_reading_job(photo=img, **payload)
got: {"hour": 9, "minute": 28}
